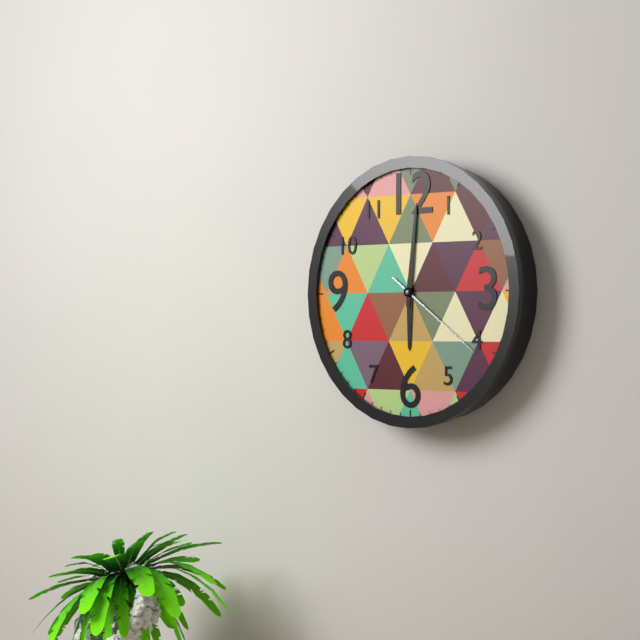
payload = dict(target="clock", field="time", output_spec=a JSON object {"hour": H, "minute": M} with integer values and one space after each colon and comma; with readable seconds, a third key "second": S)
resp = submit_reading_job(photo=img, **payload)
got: {"hour": 6, "minute": 1, "second": 21}
